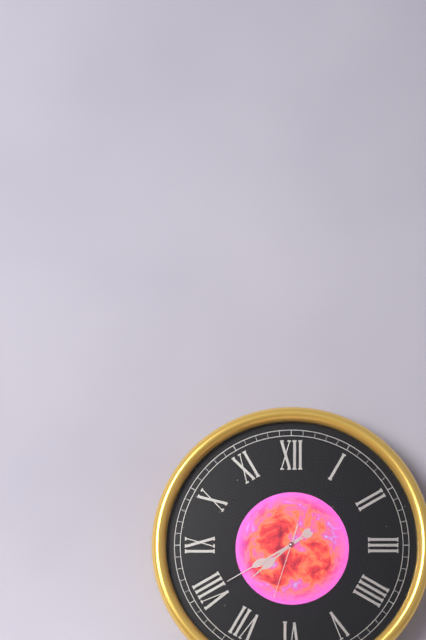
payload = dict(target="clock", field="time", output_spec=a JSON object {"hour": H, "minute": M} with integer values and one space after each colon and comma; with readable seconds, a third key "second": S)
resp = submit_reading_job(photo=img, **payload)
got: {"hour": 7, "minute": 40, "second": 33}
